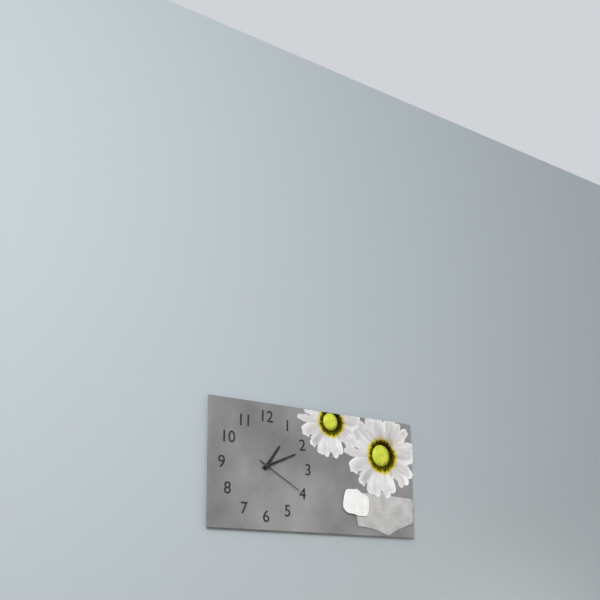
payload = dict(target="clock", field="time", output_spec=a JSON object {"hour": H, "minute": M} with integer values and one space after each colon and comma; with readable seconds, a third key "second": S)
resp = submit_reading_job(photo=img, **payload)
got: {"hour": 1, "minute": 11, "second": 20}
